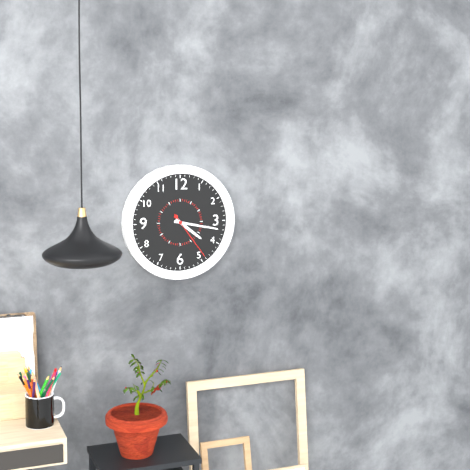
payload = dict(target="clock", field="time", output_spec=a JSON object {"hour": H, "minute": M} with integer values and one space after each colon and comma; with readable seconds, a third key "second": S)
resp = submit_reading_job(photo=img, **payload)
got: {"hour": 4, "minute": 17, "second": 24}
